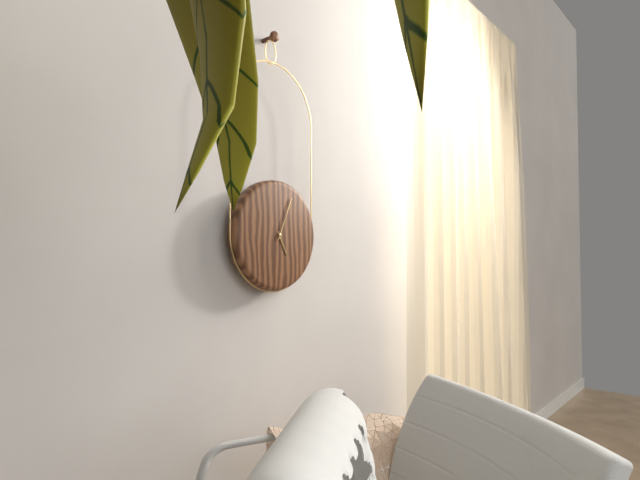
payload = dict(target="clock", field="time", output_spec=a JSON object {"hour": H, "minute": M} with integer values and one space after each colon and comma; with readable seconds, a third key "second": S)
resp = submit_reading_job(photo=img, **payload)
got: {"hour": 5, "minute": 4}
